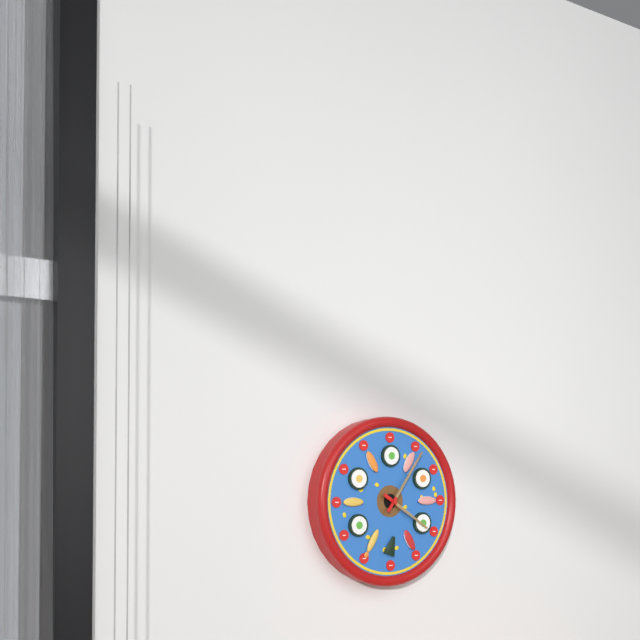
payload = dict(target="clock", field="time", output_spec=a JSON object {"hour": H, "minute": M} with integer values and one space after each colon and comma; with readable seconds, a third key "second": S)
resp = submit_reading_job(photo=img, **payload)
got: {"hour": 4, "minute": 6}
